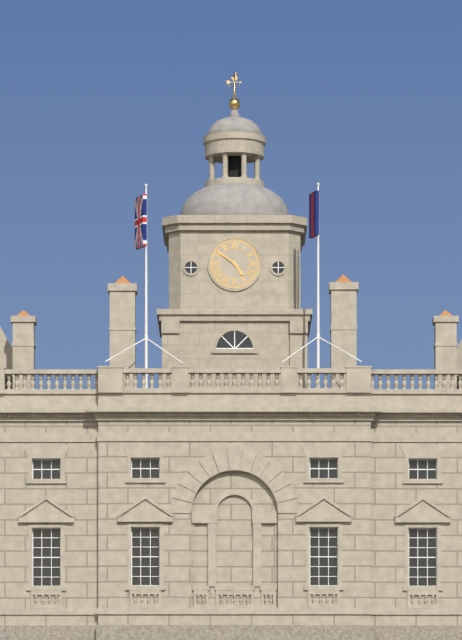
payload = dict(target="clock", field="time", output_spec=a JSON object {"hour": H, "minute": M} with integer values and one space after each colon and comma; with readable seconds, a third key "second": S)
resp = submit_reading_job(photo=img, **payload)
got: {"hour": 4, "minute": 51}
